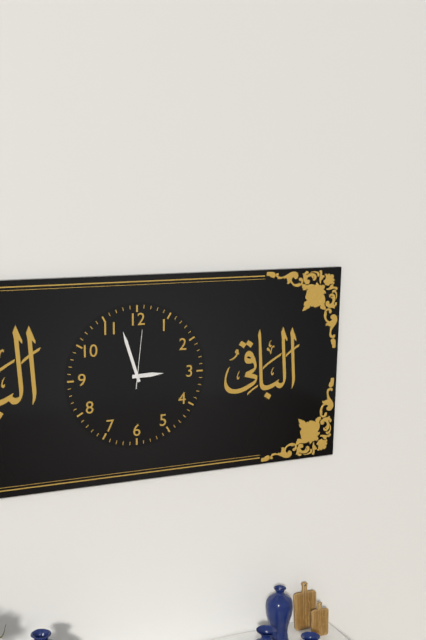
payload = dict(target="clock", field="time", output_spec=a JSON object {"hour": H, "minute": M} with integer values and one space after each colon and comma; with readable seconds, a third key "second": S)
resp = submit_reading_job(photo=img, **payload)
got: {"hour": 2, "minute": 57, "second": 1}
